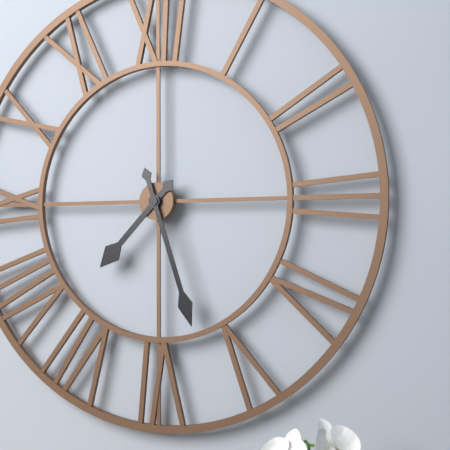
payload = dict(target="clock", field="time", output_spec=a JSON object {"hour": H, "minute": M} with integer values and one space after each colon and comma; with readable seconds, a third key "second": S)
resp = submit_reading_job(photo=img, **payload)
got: {"hour": 7, "minute": 27}
